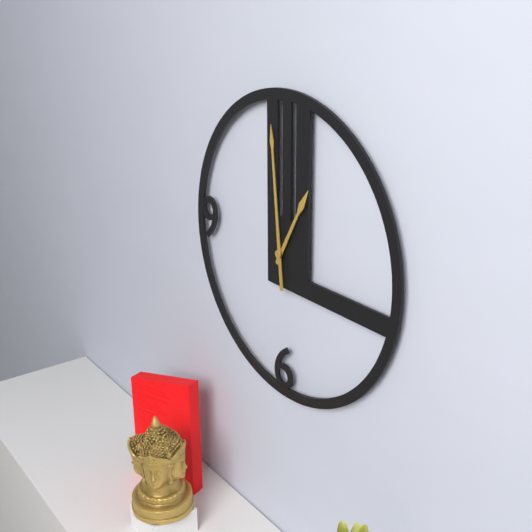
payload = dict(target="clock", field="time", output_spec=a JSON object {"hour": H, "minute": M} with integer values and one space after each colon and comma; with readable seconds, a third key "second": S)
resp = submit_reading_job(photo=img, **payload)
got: {"hour": 12, "minute": 59}
